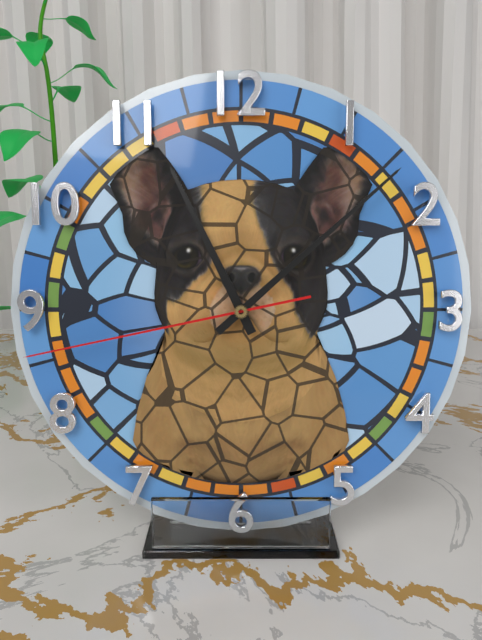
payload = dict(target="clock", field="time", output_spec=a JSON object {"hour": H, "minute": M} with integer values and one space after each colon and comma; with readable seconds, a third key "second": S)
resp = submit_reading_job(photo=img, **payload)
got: {"hour": 11, "minute": 8, "second": 43}
